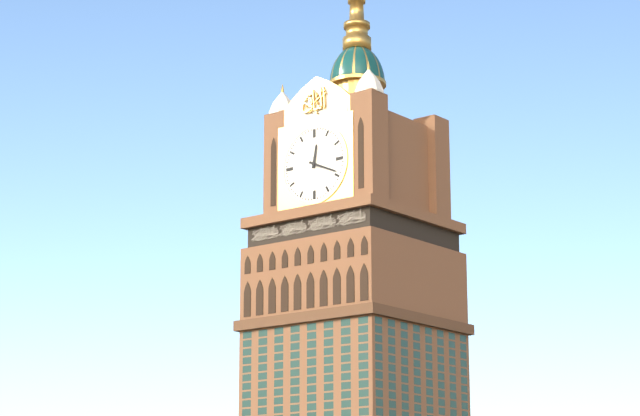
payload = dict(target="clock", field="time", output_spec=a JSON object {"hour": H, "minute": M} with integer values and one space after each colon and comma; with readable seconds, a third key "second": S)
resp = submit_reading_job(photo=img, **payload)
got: {"hour": 12, "minute": 19}
